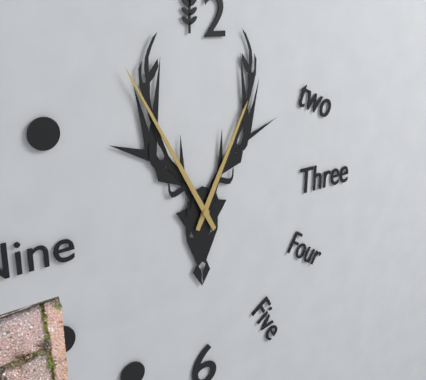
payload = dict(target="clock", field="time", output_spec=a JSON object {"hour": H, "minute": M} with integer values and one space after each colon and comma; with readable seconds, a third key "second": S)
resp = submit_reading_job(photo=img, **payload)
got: {"hour": 12, "minute": 55}
